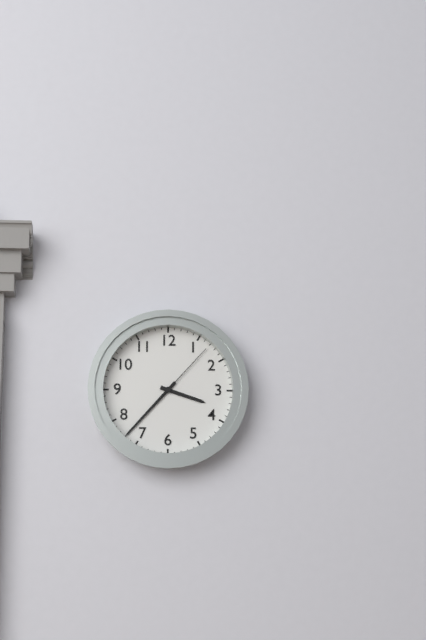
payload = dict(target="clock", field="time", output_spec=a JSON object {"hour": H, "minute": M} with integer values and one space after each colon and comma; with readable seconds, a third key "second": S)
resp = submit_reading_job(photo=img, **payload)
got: {"hour": 3, "minute": 37, "second": 7}
